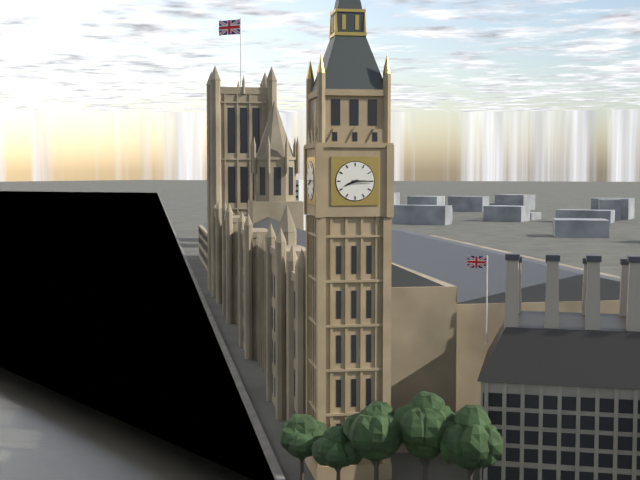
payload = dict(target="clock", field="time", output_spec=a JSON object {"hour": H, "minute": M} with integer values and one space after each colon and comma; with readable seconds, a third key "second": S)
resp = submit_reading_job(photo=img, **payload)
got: {"hour": 8, "minute": 15}
